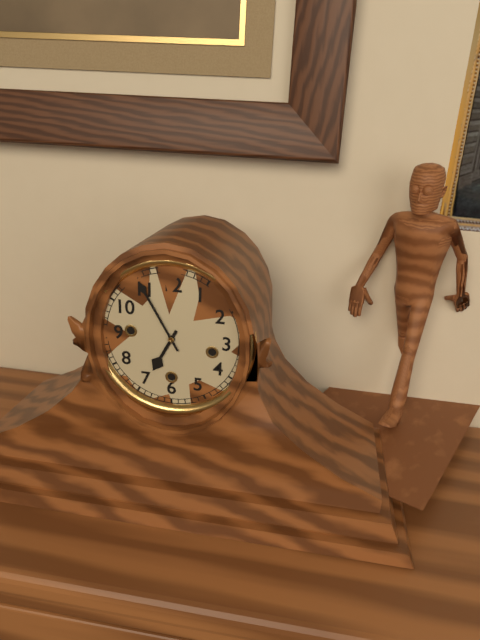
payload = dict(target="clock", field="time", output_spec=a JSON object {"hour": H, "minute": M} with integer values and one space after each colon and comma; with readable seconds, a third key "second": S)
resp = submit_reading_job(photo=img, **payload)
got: {"hour": 6, "minute": 55}
